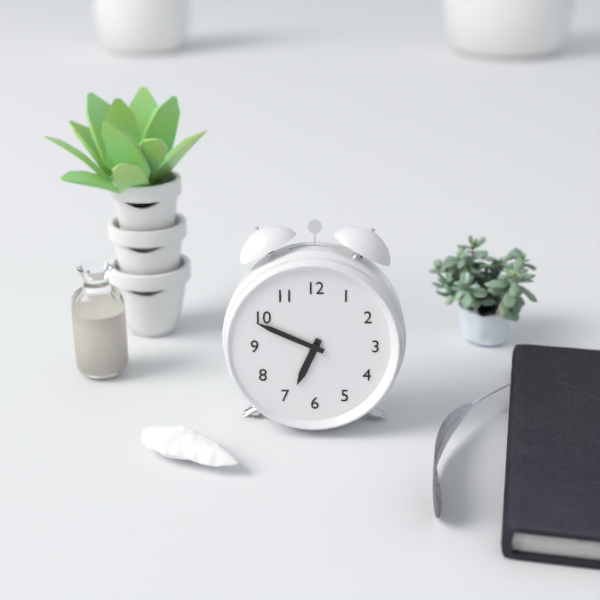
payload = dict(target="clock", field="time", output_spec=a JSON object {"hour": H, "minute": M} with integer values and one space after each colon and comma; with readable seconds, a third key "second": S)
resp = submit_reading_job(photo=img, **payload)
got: {"hour": 6, "minute": 49}
